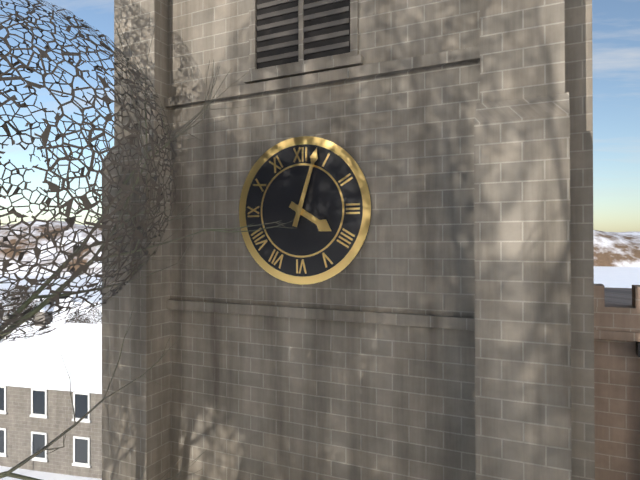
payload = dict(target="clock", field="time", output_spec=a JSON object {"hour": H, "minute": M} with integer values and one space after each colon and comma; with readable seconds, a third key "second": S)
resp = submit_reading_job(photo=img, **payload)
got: {"hour": 4, "minute": 3}
